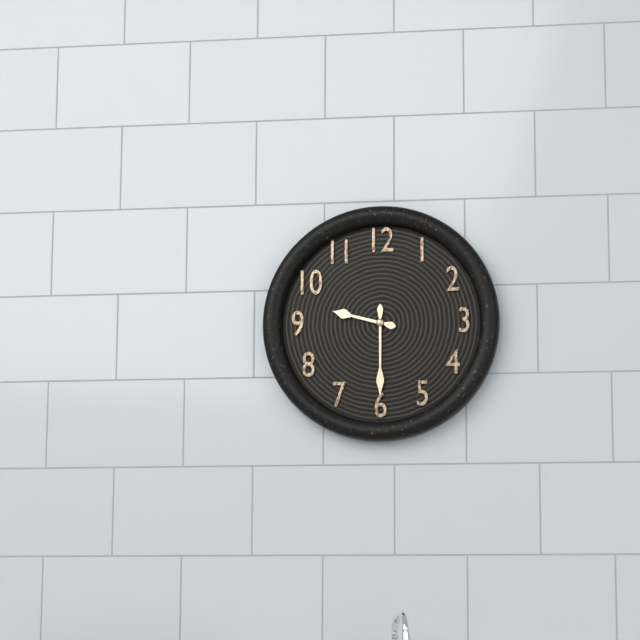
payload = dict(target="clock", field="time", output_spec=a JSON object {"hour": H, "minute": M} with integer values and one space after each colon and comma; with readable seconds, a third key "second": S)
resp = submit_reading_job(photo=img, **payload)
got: {"hour": 9, "minute": 30}
